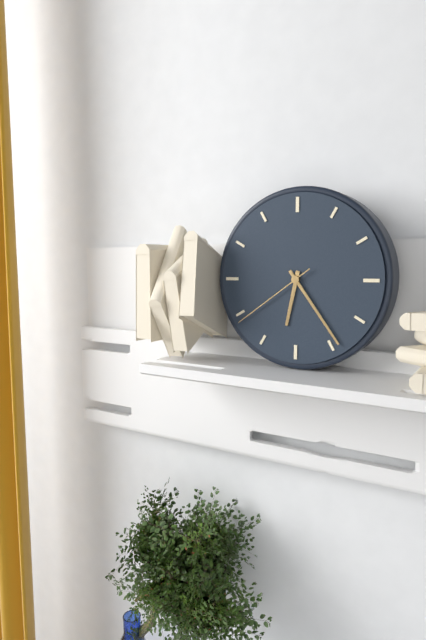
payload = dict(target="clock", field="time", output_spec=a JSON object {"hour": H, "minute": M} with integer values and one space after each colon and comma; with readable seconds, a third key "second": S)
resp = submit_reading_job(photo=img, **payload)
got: {"hour": 6, "minute": 24, "second": 39}
